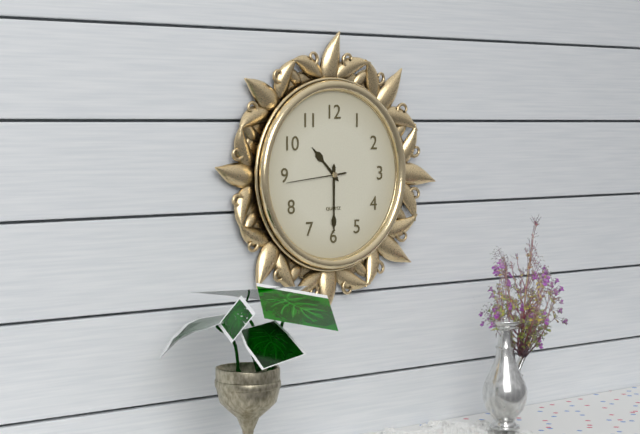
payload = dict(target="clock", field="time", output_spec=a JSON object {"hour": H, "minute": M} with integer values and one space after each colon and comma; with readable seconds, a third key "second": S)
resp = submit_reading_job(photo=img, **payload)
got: {"hour": 10, "minute": 30, "second": 44}
